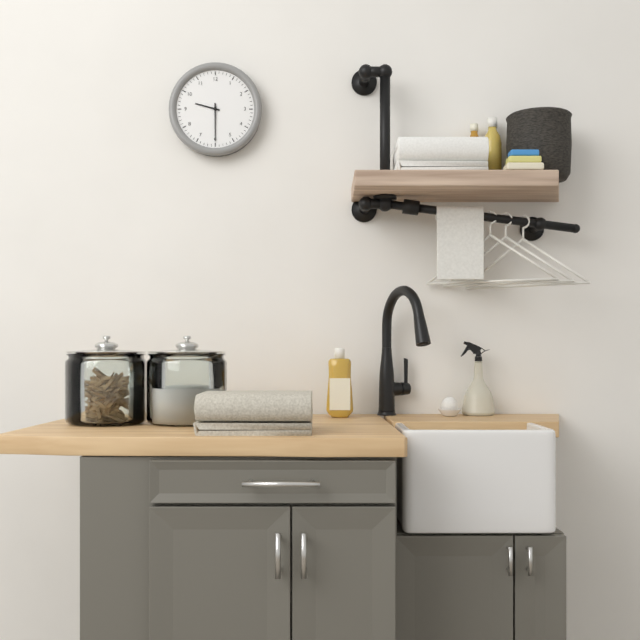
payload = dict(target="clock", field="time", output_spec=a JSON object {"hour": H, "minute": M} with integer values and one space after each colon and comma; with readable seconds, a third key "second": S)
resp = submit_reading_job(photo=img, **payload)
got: {"hour": 9, "minute": 30}
